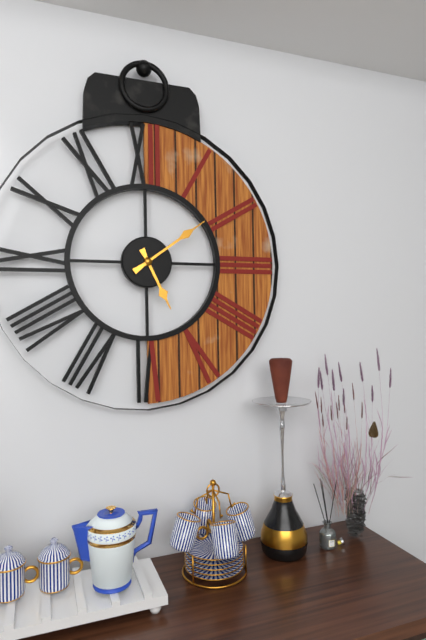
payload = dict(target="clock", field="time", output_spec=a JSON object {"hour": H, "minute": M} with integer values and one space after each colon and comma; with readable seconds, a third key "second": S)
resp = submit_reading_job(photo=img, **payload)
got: {"hour": 5, "minute": 9}
